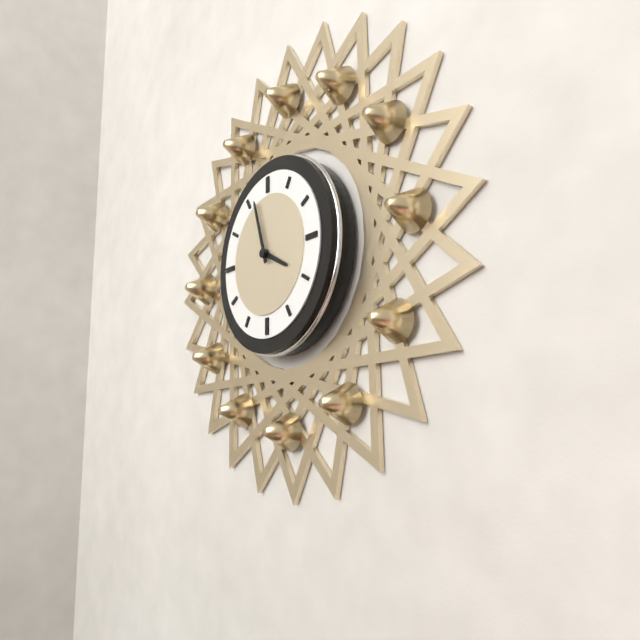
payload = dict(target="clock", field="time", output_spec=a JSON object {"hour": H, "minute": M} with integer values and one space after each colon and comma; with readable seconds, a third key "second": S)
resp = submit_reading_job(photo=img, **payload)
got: {"hour": 3, "minute": 57}
